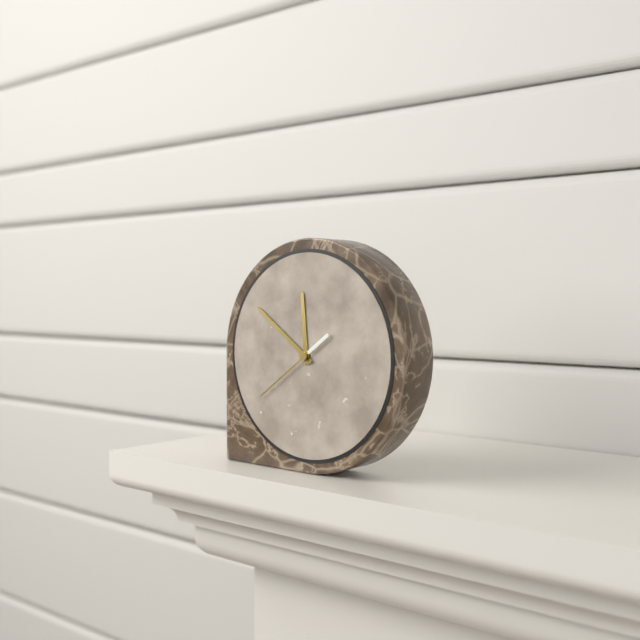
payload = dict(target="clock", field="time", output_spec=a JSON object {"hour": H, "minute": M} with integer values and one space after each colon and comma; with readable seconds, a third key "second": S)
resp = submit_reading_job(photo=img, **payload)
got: {"hour": 11, "minute": 51, "second": 39}
